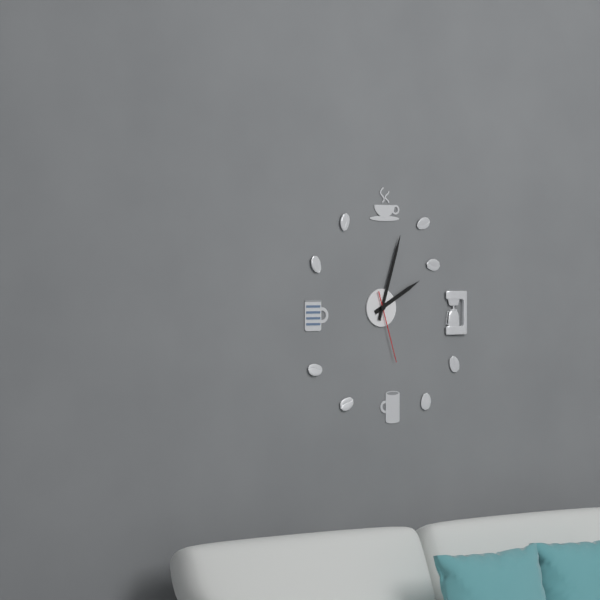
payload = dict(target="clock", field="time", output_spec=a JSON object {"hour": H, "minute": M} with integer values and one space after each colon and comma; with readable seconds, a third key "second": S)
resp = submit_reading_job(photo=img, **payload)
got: {"hour": 2, "minute": 3, "second": 27}
